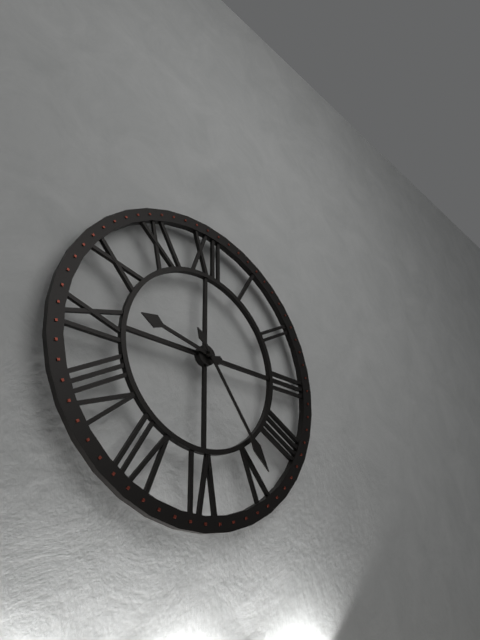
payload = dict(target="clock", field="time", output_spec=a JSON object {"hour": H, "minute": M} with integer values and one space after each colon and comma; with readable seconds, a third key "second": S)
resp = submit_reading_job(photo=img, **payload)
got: {"hour": 9, "minute": 24}
